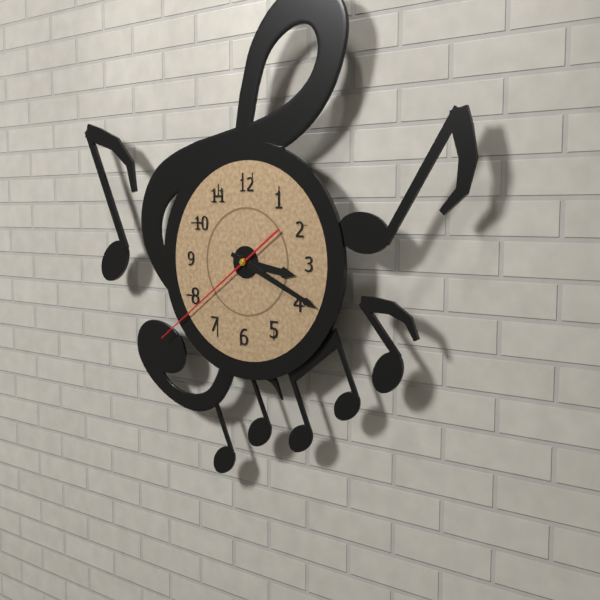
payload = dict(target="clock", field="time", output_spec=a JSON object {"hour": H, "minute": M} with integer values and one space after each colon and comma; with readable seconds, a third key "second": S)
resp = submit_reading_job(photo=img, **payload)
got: {"hour": 3, "minute": 19, "second": 39}
